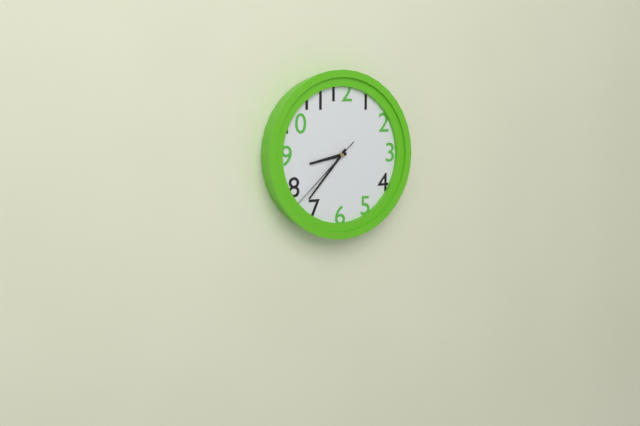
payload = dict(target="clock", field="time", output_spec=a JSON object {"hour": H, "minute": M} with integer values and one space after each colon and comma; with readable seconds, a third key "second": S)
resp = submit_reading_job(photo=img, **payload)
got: {"hour": 8, "minute": 37, "second": 38}
